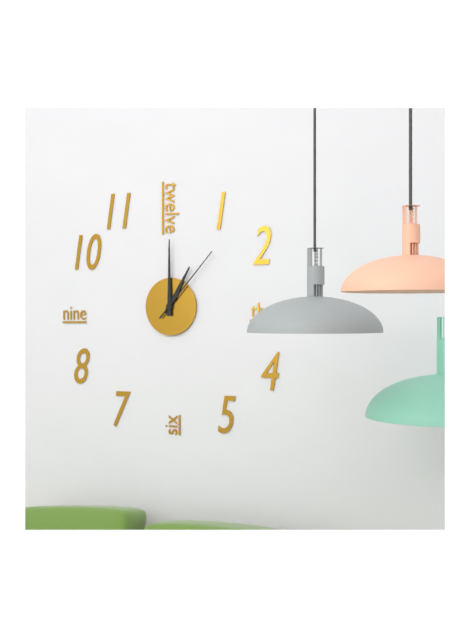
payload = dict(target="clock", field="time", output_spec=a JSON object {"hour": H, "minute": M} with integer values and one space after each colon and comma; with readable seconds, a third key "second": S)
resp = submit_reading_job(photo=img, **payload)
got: {"hour": 1, "minute": 0, "second": 7}
